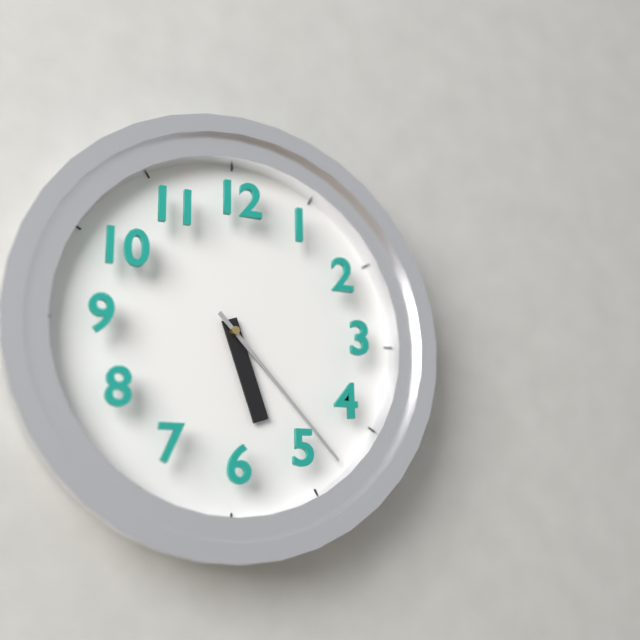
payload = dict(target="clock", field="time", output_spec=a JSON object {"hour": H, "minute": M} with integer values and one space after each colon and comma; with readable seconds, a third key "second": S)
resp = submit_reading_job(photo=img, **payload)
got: {"hour": 5, "minute": 23}
